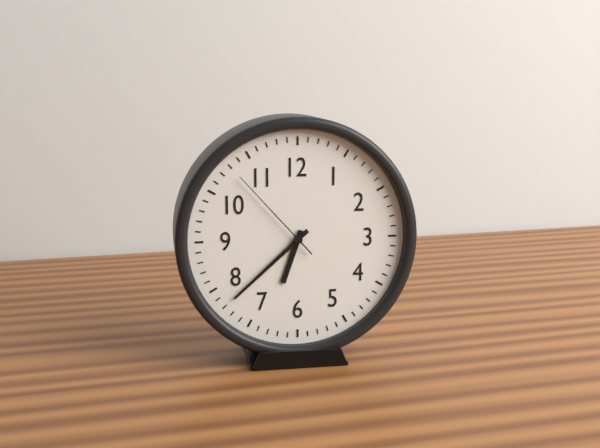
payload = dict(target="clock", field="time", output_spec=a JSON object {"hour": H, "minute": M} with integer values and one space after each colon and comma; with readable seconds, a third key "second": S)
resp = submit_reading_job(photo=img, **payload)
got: {"hour": 6, "minute": 38, "second": 53}
